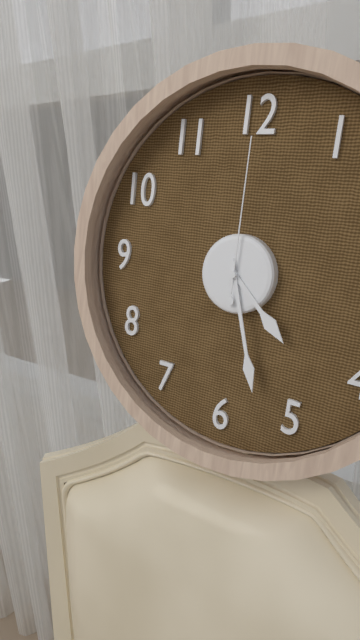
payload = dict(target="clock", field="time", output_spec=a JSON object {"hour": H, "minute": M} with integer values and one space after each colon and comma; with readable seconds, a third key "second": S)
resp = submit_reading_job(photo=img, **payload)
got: {"hour": 4, "minute": 27, "second": 0}
